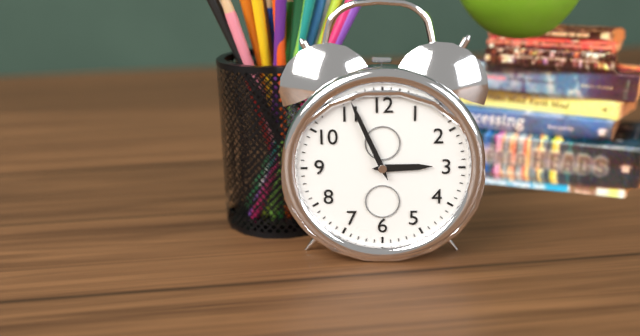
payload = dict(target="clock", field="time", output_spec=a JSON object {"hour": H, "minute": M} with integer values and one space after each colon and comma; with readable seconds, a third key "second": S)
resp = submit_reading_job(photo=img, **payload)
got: {"hour": 2, "minute": 56}
